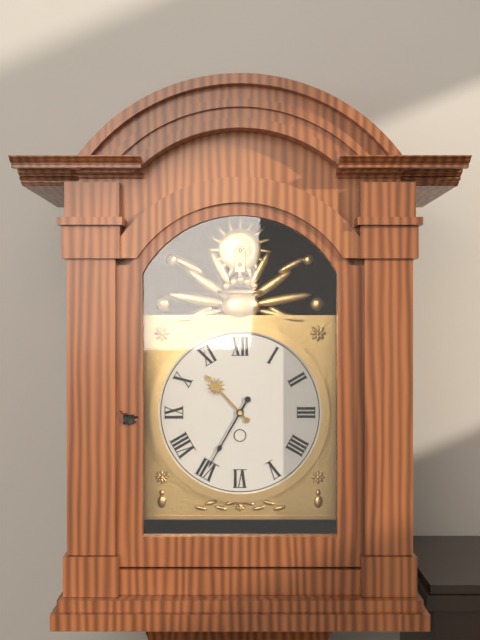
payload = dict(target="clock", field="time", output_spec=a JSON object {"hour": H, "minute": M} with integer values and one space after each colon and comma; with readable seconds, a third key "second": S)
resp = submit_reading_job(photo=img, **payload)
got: {"hour": 10, "minute": 35}
